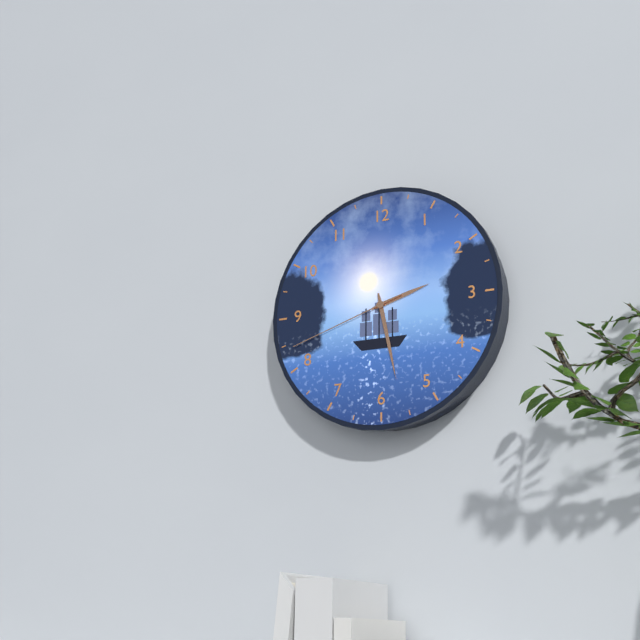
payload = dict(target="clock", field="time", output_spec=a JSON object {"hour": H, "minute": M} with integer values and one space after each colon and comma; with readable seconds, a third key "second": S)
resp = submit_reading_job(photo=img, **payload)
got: {"hour": 2, "minute": 28, "second": 42}
